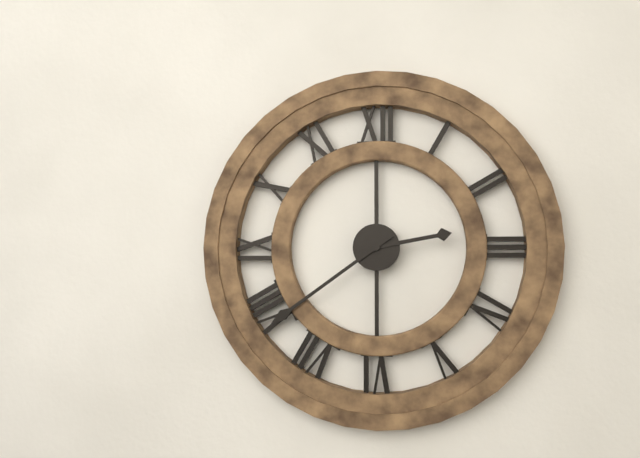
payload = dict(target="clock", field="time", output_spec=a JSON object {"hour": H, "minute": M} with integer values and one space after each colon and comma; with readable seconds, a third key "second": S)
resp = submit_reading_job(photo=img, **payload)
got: {"hour": 2, "minute": 39}
